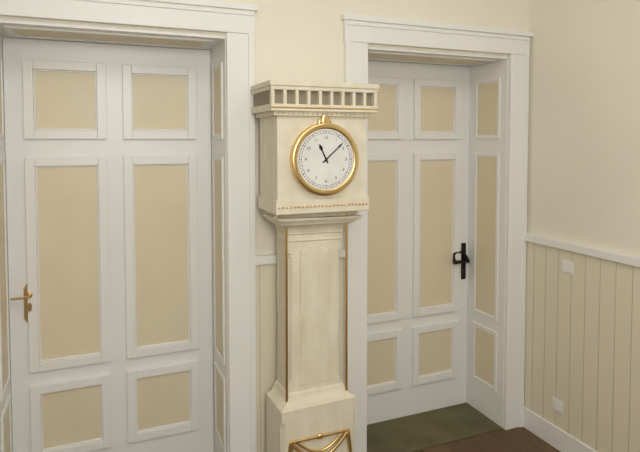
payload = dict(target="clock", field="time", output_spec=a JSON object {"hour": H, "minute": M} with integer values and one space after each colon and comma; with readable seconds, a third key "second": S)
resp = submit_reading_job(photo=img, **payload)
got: {"hour": 11, "minute": 8}
